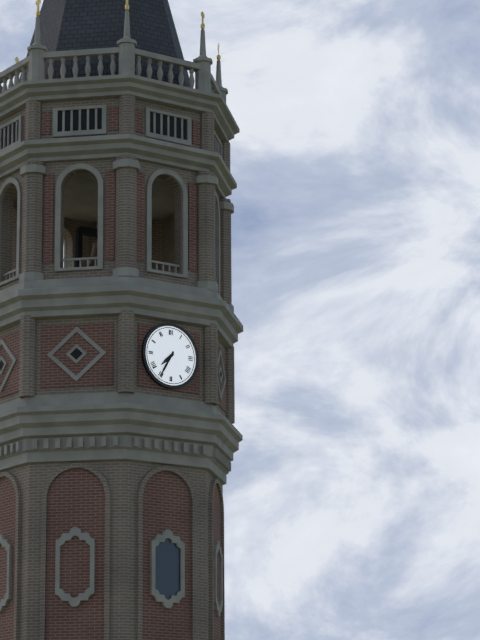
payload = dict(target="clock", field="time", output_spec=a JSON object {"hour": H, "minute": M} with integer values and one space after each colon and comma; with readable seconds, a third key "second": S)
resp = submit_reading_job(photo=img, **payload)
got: {"hour": 7, "minute": 35}
